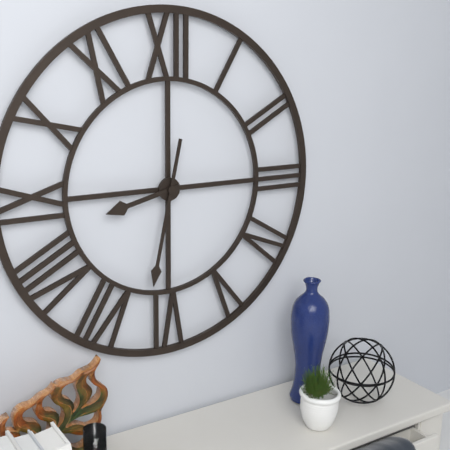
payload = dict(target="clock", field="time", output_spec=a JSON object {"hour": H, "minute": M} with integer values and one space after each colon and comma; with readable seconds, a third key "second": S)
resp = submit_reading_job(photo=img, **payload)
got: {"hour": 8, "minute": 32}
